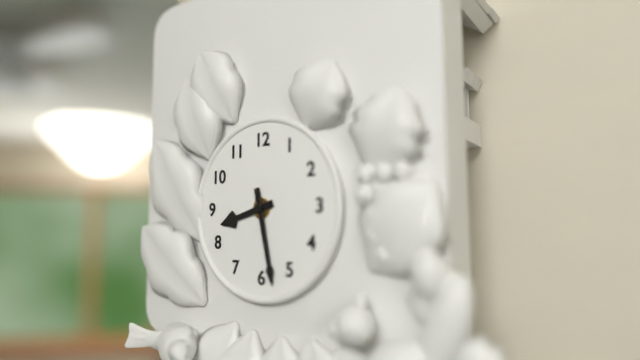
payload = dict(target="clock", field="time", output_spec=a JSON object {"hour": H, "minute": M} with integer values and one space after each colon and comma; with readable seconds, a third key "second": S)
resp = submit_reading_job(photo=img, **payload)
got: {"hour": 8, "minute": 28}
